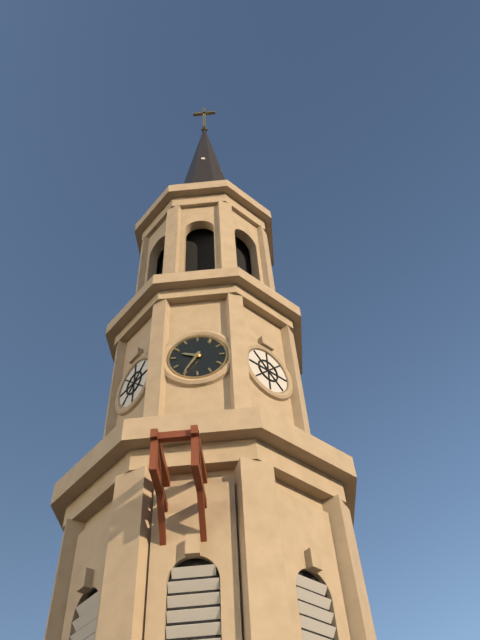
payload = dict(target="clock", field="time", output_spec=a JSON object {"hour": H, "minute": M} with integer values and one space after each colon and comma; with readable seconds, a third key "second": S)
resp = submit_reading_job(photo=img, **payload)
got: {"hour": 9, "minute": 35}
